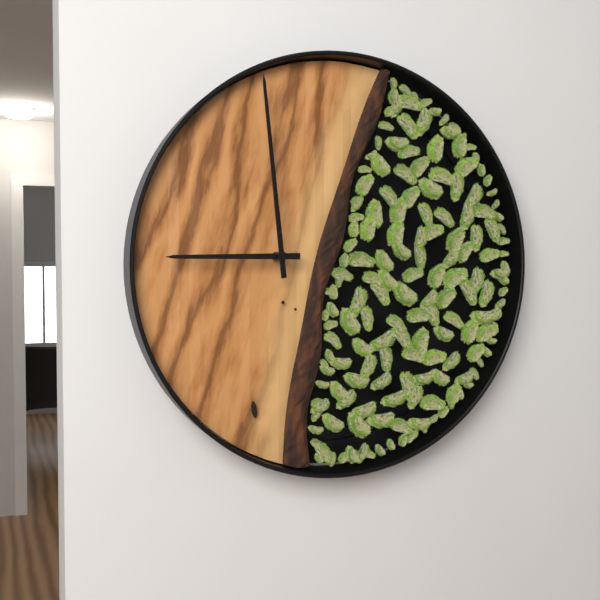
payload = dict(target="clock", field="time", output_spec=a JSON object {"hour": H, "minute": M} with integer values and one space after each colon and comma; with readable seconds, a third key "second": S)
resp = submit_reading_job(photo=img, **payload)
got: {"hour": 8, "minute": 59}
